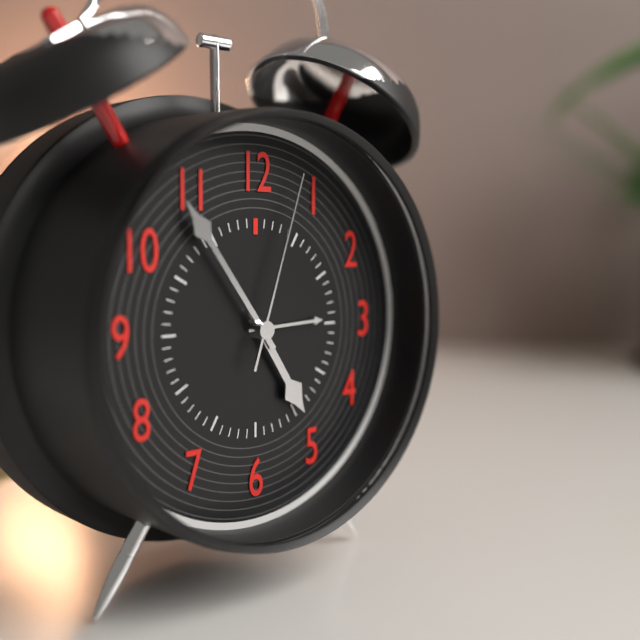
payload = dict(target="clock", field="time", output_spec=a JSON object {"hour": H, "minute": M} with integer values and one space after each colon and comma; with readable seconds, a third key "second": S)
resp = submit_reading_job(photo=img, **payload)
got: {"hour": 4, "minute": 54, "second": 3}
